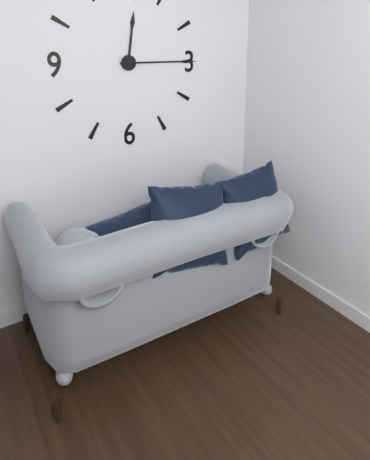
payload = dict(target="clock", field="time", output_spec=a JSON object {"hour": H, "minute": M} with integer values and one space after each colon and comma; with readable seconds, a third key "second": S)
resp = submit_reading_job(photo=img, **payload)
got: {"hour": 12, "minute": 15}
